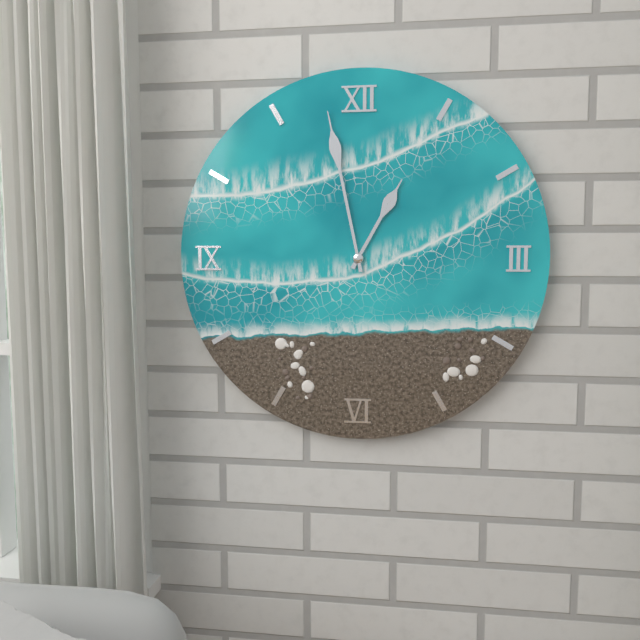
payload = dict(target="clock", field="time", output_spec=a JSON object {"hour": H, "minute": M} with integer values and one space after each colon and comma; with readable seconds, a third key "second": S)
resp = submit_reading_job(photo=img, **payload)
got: {"hour": 12, "minute": 58}
